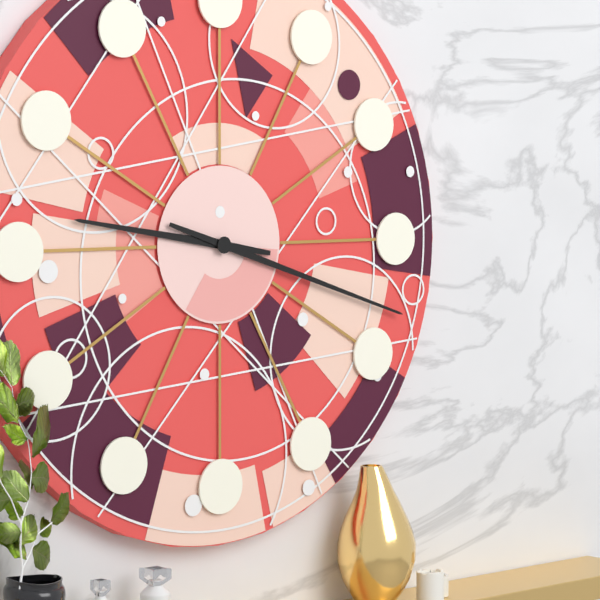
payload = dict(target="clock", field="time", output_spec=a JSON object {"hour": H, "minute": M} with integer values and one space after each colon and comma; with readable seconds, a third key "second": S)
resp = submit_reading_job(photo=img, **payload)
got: {"hour": 9, "minute": 18}
